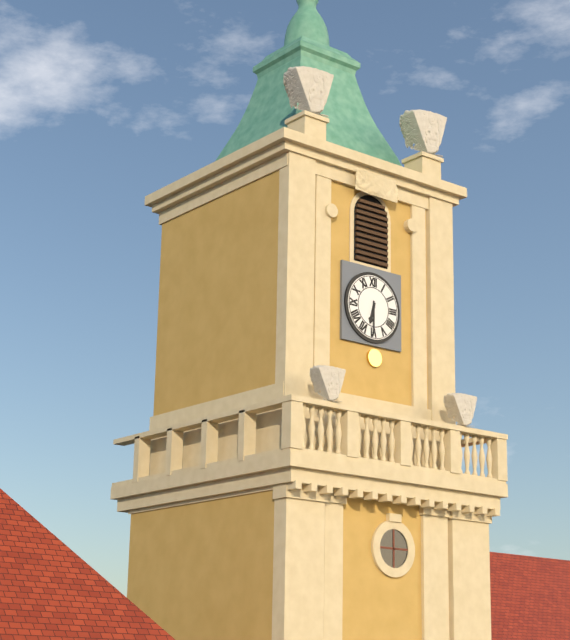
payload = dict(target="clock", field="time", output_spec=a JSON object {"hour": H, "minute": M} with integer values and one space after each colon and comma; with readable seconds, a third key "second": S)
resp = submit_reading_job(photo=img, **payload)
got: {"hour": 6, "minute": 30}
